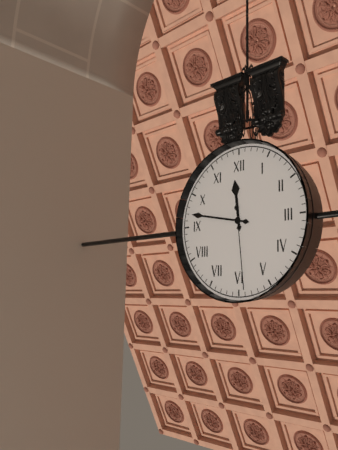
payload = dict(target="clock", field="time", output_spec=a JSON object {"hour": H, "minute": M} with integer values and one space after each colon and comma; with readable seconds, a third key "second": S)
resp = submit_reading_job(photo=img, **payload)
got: {"hour": 11, "minute": 47, "second": 29}
